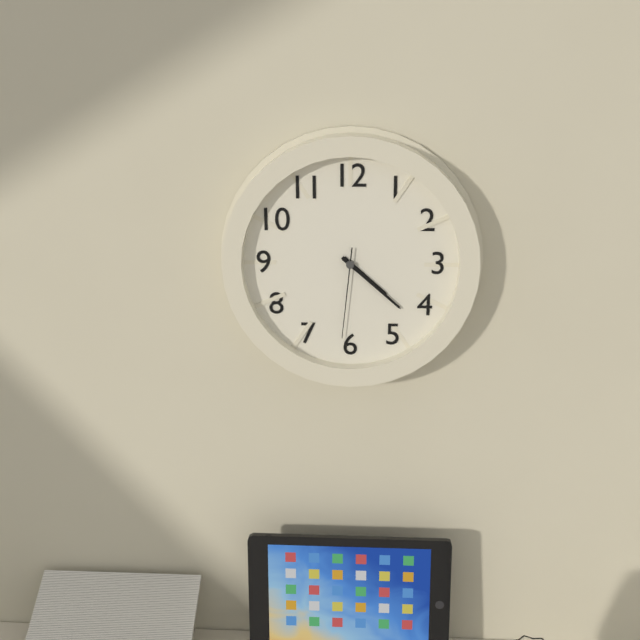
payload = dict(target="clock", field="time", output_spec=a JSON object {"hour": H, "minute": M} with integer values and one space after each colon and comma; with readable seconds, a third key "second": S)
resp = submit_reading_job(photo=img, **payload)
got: {"hour": 4, "minute": 22, "second": 31}
